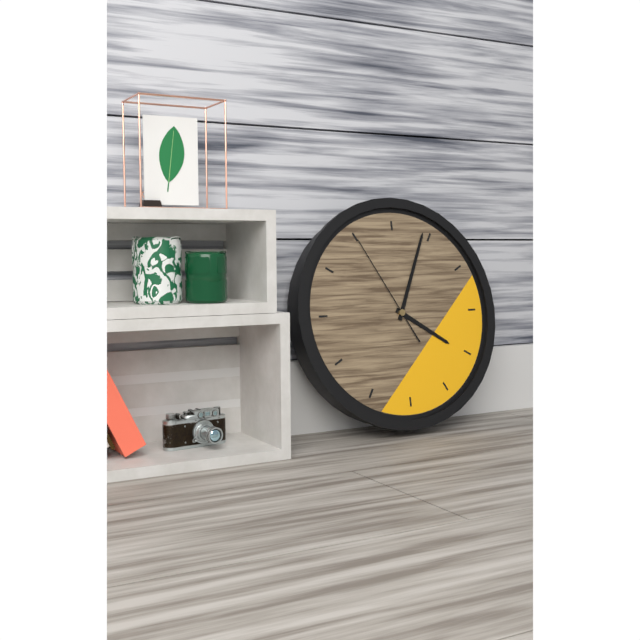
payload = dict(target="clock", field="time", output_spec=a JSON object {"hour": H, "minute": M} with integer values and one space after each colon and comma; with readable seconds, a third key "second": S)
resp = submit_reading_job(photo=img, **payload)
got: {"hour": 4, "minute": 4, "second": 55}
